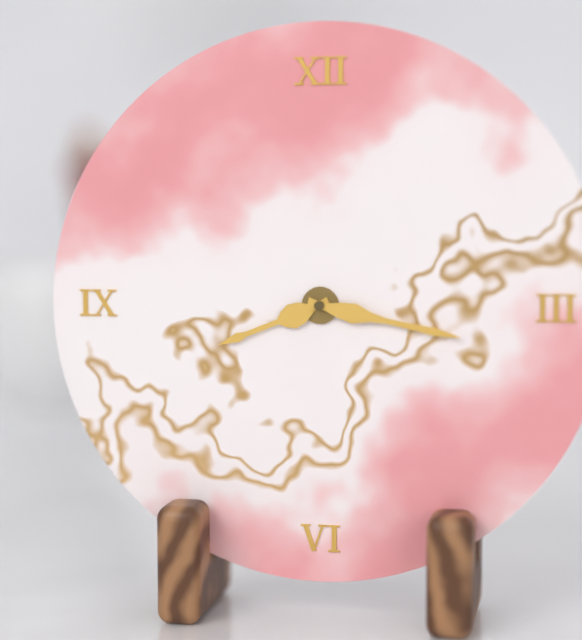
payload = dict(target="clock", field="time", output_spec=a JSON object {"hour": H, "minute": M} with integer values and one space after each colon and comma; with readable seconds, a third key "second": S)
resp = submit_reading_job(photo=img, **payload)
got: {"hour": 8, "minute": 17}
